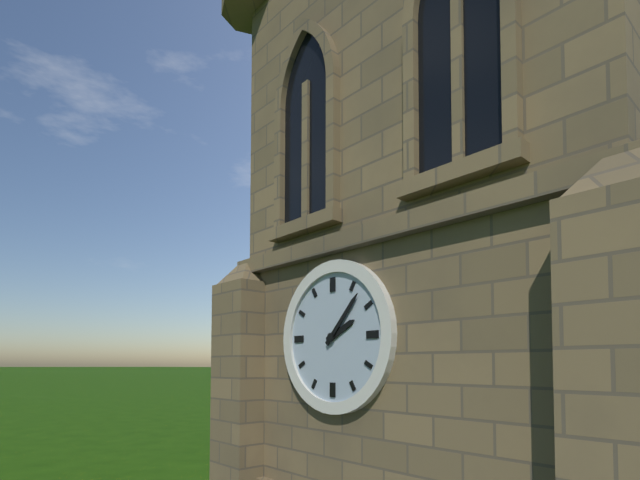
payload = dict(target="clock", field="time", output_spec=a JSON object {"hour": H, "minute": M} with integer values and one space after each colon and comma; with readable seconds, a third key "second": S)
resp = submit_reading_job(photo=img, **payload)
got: {"hour": 2, "minute": 7}
